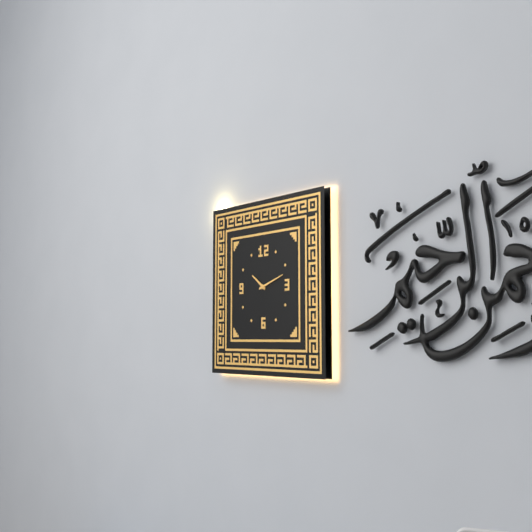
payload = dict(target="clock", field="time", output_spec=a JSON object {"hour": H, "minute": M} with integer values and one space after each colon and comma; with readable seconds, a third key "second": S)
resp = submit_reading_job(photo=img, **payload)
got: {"hour": 10, "minute": 12}
